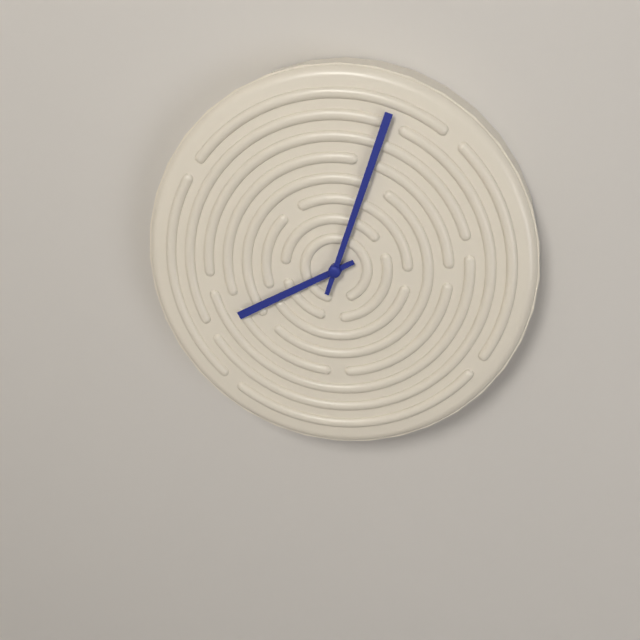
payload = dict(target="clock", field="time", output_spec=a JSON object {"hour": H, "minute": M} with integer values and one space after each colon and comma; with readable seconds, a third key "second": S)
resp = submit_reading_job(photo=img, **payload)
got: {"hour": 8, "minute": 3}
